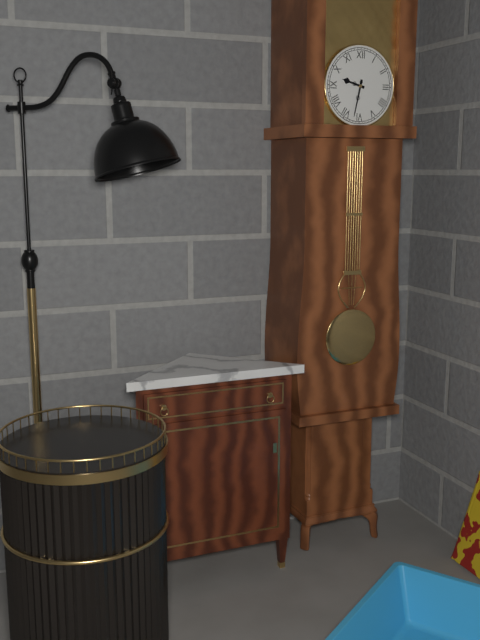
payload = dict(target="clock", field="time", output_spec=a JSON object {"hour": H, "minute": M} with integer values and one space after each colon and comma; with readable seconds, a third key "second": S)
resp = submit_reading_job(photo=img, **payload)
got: {"hour": 9, "minute": 32}
